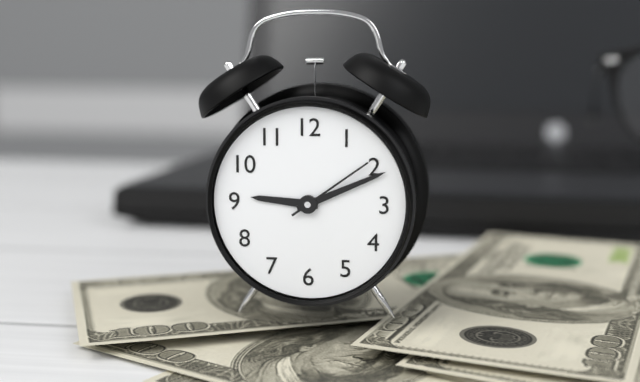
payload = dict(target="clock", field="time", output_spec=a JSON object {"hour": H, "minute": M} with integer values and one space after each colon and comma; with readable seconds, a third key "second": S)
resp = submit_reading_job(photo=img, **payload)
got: {"hour": 9, "minute": 11, "second": 9}
